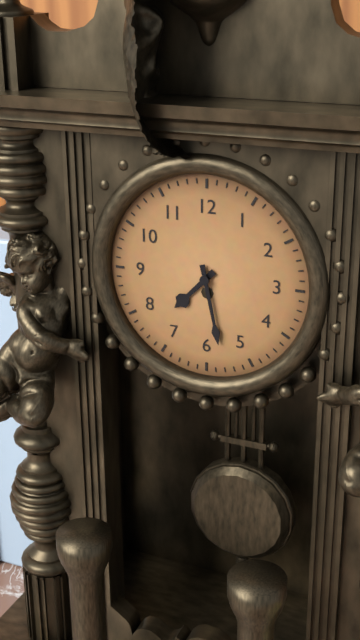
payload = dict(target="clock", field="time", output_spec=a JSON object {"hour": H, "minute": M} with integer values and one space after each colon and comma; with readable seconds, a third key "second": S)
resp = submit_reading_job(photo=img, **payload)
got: {"hour": 7, "minute": 28}
